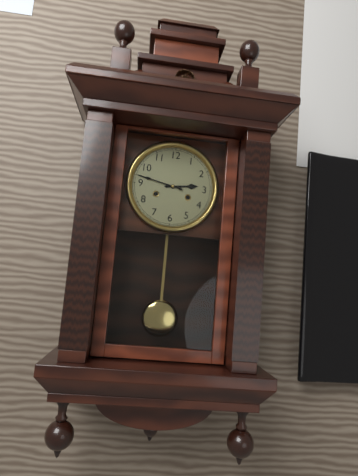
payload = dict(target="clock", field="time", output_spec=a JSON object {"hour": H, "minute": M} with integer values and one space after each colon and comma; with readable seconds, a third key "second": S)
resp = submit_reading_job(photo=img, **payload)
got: {"hour": 2, "minute": 47}
